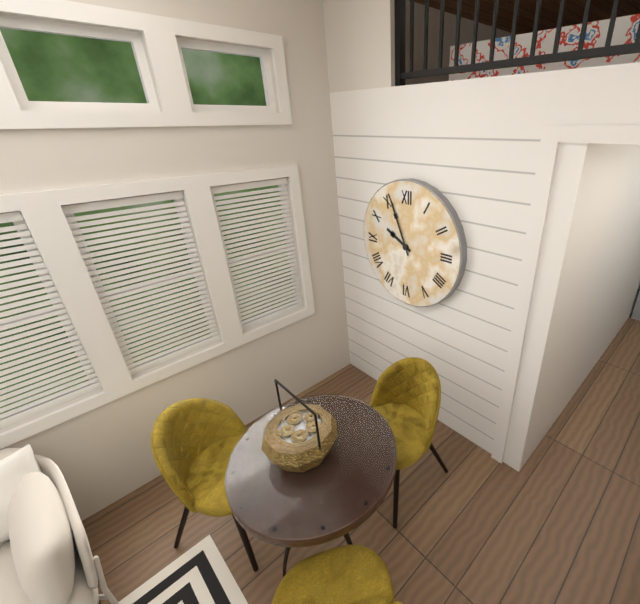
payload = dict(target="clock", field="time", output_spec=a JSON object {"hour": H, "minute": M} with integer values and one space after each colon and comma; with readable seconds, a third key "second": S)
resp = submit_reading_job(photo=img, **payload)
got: {"hour": 9, "minute": 56}
